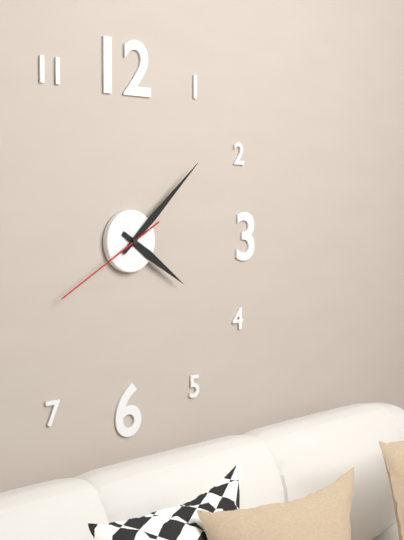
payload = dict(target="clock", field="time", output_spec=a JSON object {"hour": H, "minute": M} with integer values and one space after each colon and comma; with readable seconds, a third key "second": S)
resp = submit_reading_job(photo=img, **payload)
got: {"hour": 4, "minute": 8, "second": 40}
